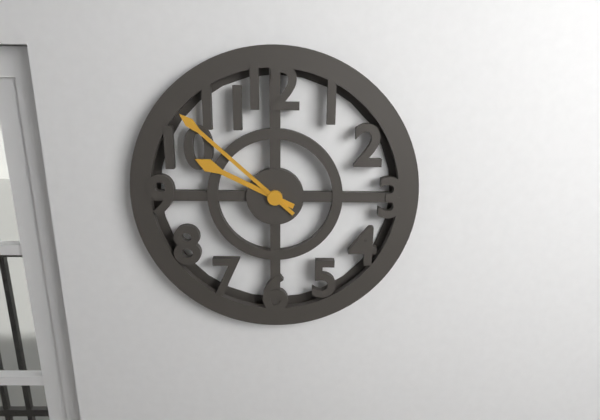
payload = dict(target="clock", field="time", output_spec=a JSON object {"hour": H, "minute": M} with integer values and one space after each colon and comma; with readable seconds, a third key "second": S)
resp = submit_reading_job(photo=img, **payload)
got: {"hour": 9, "minute": 52}
